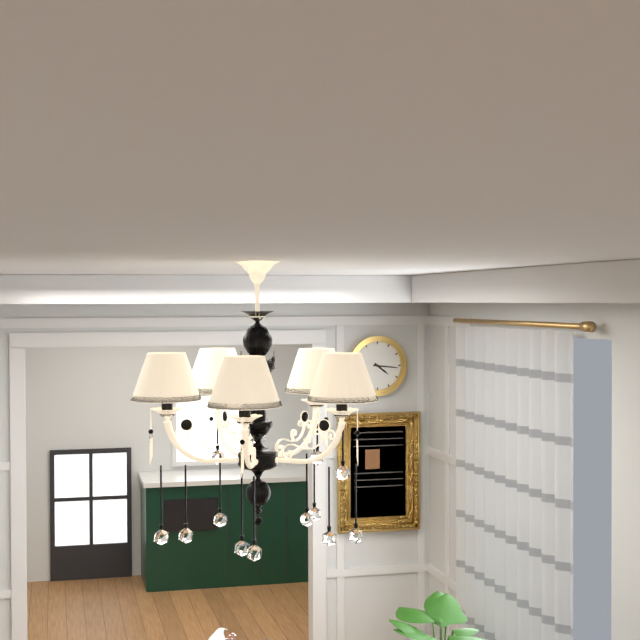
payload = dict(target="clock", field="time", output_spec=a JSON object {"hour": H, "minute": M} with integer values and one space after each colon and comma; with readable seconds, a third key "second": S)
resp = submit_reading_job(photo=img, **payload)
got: {"hour": 4, "minute": 16}
